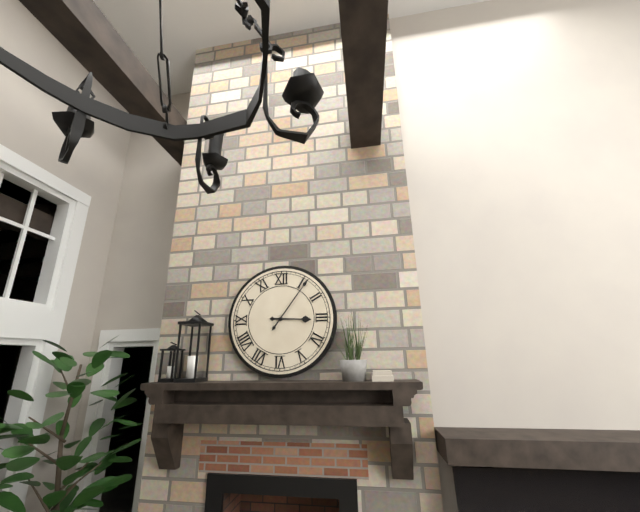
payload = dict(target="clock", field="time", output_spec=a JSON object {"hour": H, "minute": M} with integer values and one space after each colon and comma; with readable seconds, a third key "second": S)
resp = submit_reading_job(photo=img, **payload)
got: {"hour": 3, "minute": 6}
